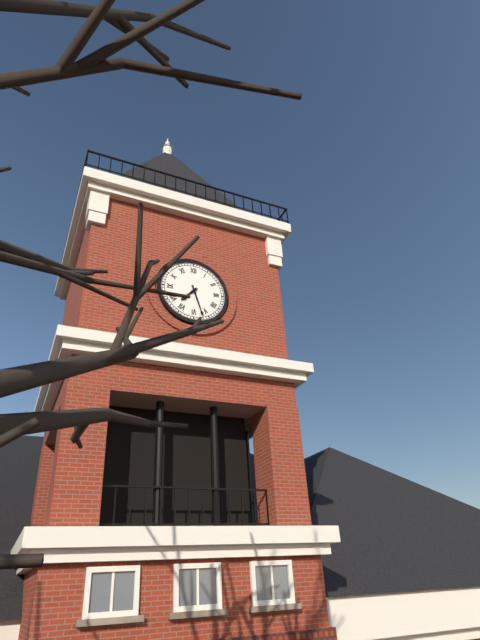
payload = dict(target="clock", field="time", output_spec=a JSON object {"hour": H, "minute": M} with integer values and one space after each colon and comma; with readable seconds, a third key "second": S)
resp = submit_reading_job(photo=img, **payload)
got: {"hour": 7, "minute": 27}
